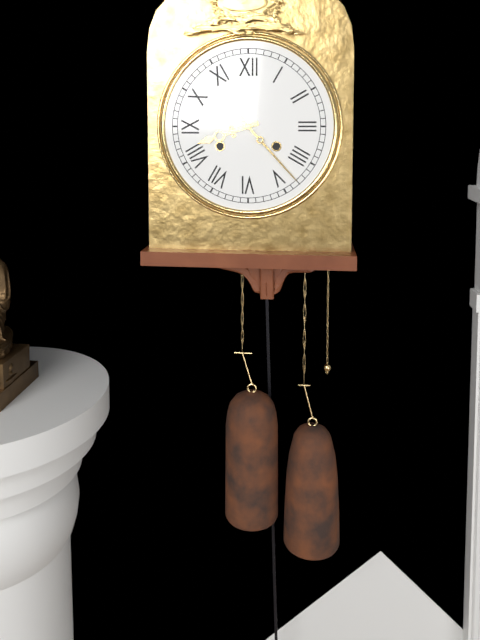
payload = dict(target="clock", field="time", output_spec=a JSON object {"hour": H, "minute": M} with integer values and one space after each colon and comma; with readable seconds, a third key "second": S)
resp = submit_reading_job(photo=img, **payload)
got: {"hour": 8, "minute": 23}
